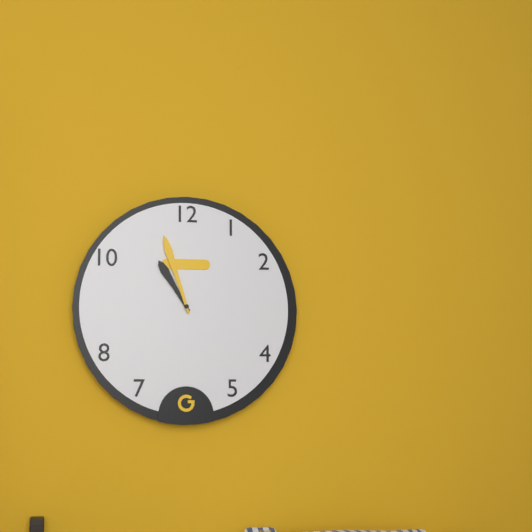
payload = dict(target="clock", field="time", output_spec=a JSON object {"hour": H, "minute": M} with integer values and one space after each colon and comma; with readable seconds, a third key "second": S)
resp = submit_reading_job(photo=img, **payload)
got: {"hour": 10, "minute": 57}
